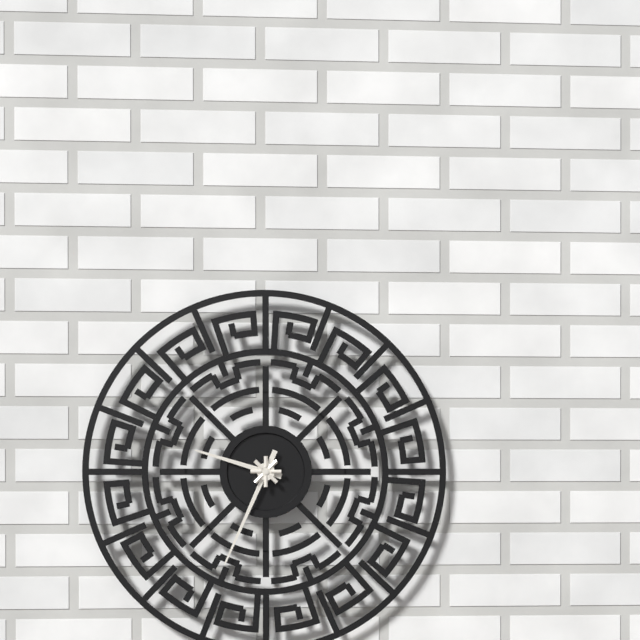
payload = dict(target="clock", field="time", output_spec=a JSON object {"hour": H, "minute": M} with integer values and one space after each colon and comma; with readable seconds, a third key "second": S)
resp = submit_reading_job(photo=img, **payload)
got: {"hour": 9, "minute": 34}
